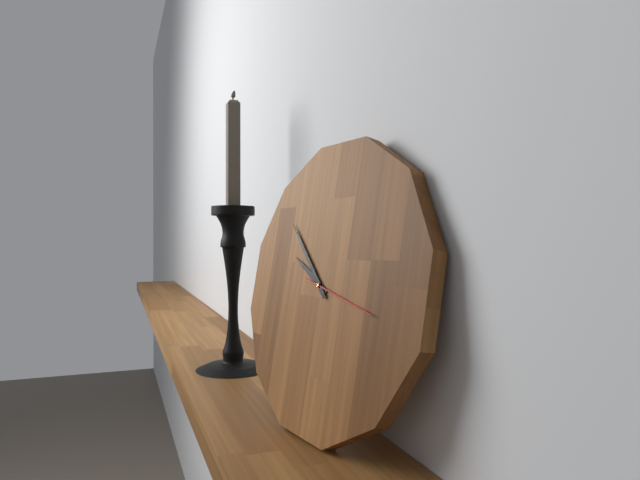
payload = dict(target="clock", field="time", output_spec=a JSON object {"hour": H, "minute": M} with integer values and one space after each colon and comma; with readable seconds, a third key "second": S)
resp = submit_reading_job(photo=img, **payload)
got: {"hour": 9, "minute": 52, "second": 17}
